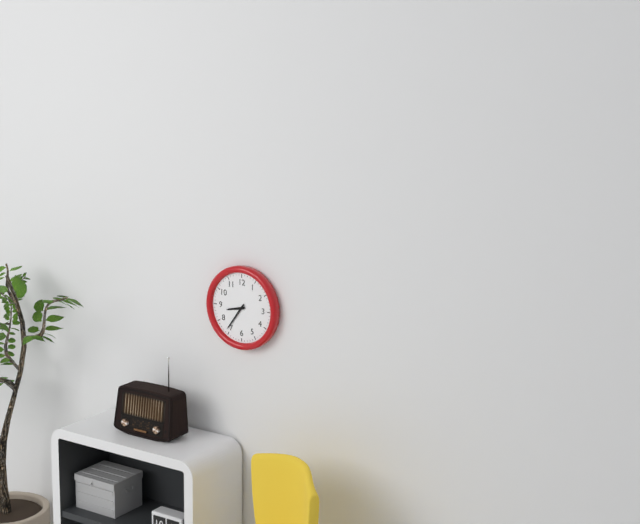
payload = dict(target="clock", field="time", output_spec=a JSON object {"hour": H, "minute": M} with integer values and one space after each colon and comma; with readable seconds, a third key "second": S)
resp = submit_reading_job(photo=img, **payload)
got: {"hour": 8, "minute": 36}
